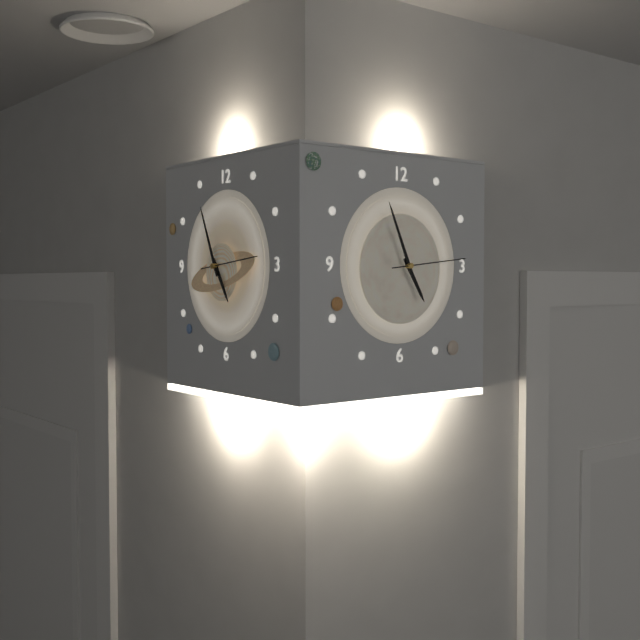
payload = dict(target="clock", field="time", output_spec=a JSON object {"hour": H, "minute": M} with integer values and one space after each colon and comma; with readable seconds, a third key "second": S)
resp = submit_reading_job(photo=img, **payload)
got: {"hour": 4, "minute": 56, "second": 14}
